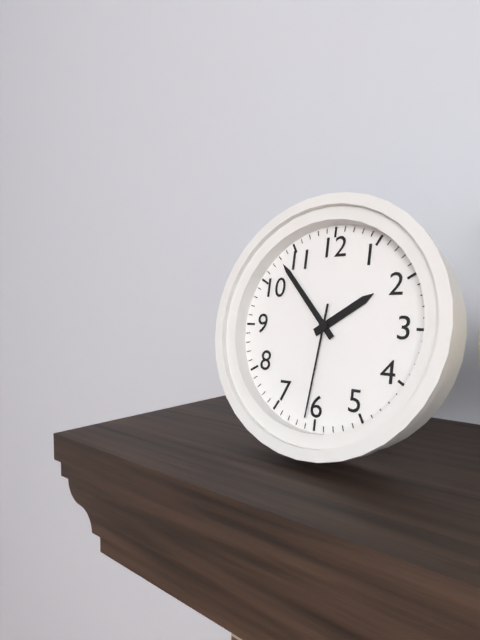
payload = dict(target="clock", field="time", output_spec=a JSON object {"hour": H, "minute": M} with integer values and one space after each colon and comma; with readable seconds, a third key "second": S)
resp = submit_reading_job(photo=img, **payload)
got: {"hour": 1, "minute": 53, "second": 31}
